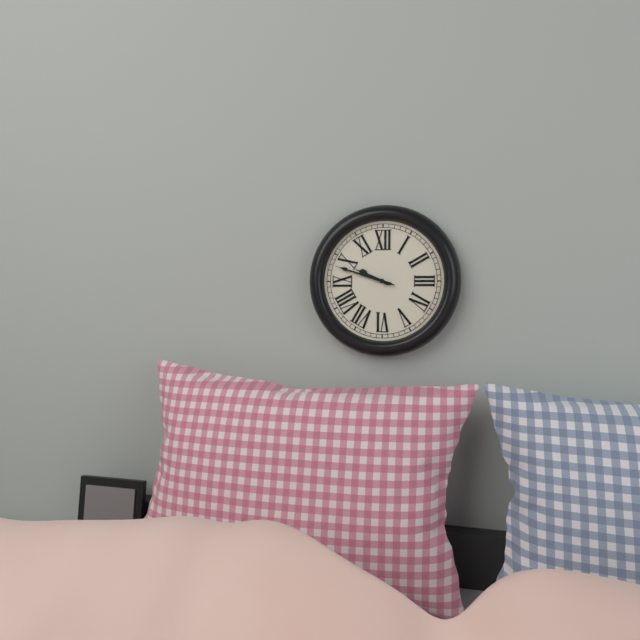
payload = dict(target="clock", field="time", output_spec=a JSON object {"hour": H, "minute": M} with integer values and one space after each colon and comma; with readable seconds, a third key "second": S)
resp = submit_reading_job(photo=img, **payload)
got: {"hour": 9, "minute": 48, "second": 48}
